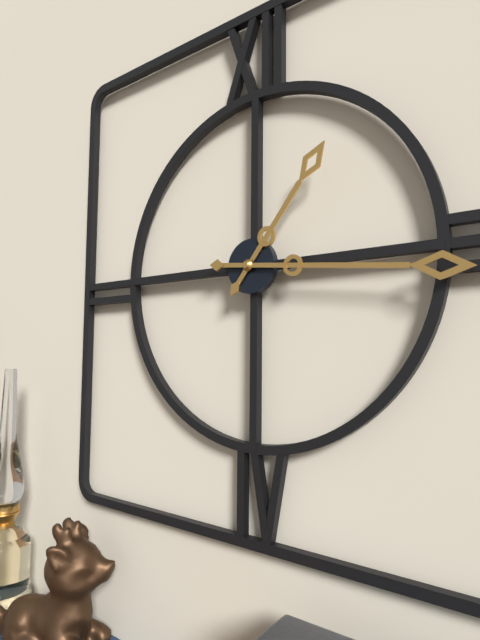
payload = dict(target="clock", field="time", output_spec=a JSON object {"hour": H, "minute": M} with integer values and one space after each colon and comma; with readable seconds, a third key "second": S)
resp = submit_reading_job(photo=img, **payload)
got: {"hour": 1, "minute": 16}
